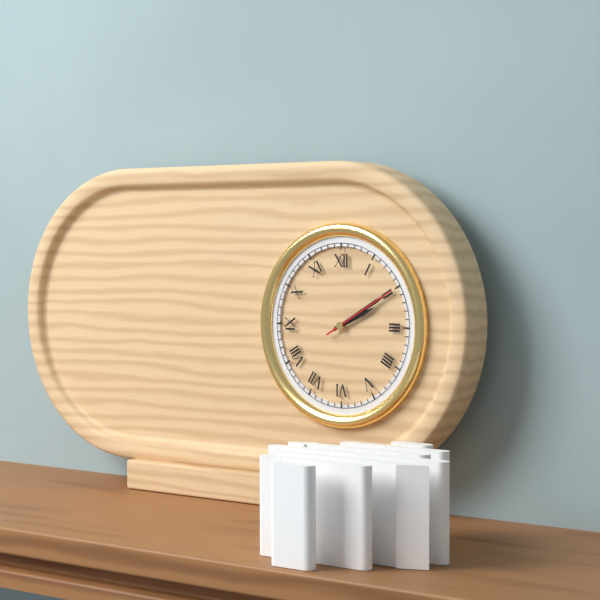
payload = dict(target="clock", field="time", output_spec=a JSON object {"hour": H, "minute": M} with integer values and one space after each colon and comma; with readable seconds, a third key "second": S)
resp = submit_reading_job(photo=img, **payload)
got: {"hour": 2, "minute": 10}
